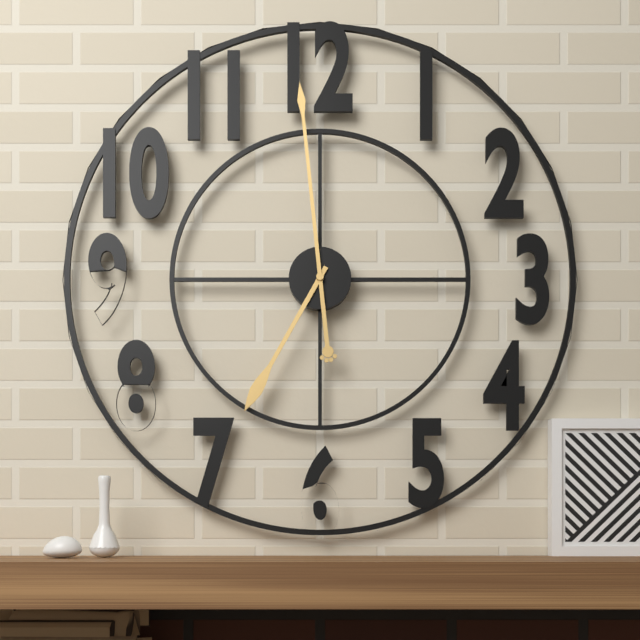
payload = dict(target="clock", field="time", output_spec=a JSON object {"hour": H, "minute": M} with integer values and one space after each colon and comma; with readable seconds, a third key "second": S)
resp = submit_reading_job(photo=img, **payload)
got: {"hour": 6, "minute": 59}
